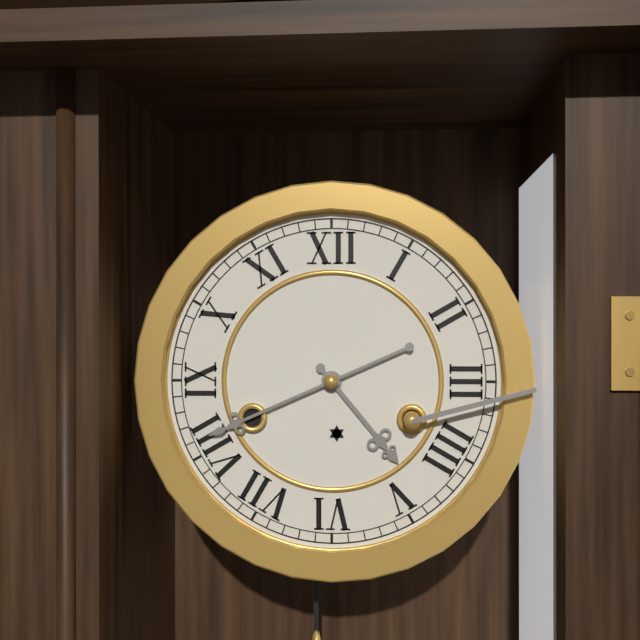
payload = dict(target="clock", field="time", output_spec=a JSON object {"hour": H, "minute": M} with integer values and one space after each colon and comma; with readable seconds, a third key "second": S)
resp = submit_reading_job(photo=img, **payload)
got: {"hour": 4, "minute": 41}
